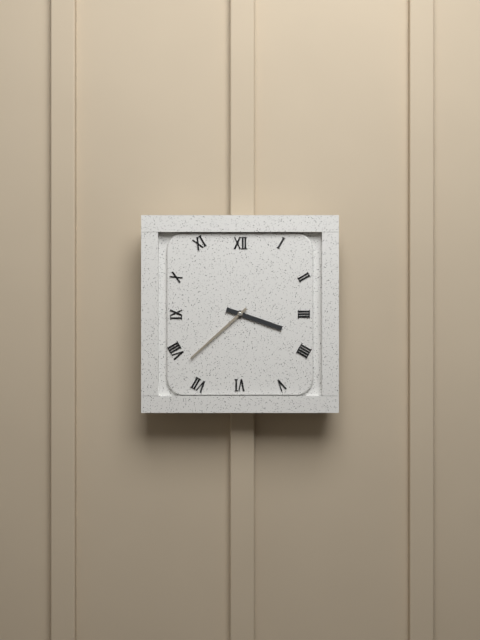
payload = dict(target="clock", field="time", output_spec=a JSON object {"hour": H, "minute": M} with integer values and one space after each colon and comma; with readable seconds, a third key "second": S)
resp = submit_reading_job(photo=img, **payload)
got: {"hour": 3, "minute": 38}
